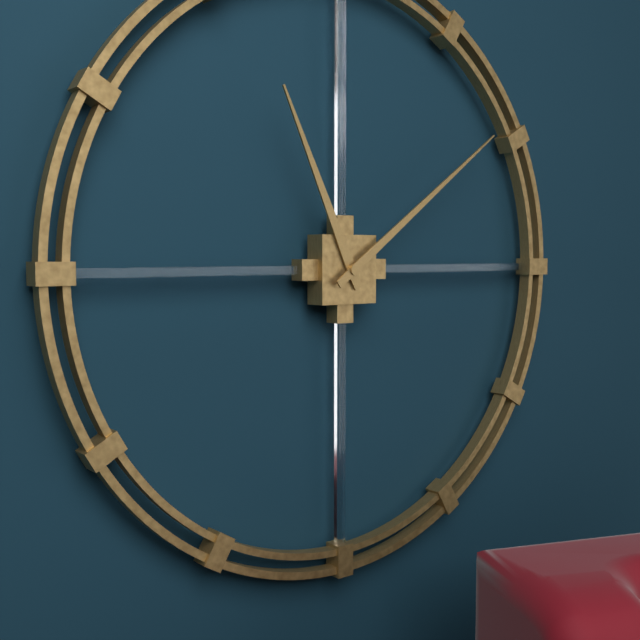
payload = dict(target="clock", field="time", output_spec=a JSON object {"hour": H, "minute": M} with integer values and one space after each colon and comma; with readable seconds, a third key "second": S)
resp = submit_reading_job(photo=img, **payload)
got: {"hour": 11, "minute": 9}
